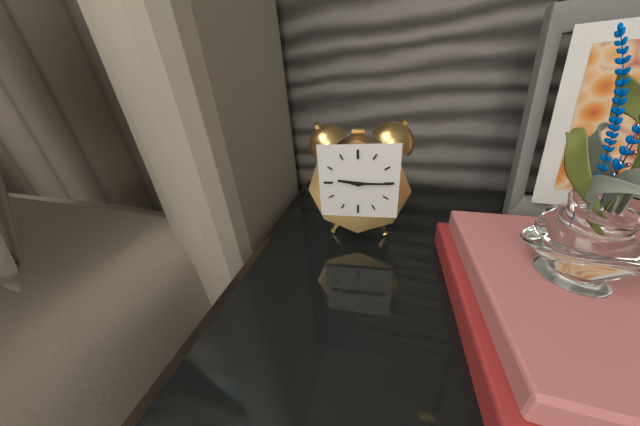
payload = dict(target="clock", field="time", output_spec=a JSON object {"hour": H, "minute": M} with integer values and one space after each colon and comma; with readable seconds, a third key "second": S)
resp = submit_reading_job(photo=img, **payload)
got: {"hour": 9, "minute": 15}
